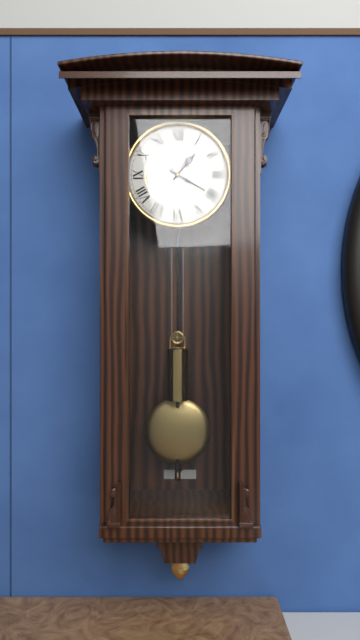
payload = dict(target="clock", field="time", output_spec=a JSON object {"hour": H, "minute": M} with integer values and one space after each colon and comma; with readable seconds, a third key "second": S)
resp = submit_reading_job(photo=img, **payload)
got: {"hour": 1, "minute": 20}
